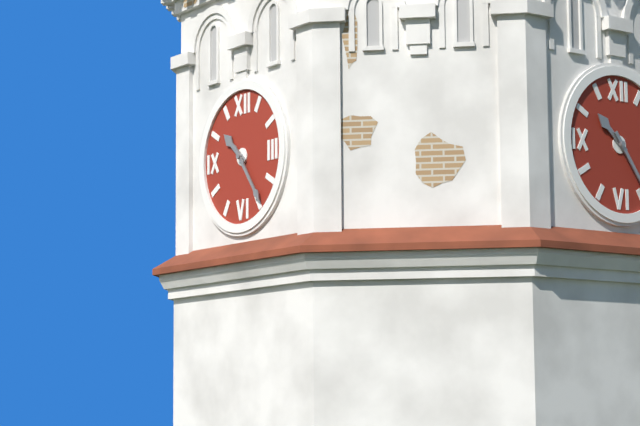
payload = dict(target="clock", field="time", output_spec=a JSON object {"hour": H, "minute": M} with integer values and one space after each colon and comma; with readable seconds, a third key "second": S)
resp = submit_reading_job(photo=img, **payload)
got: {"hour": 10, "minute": 24}
